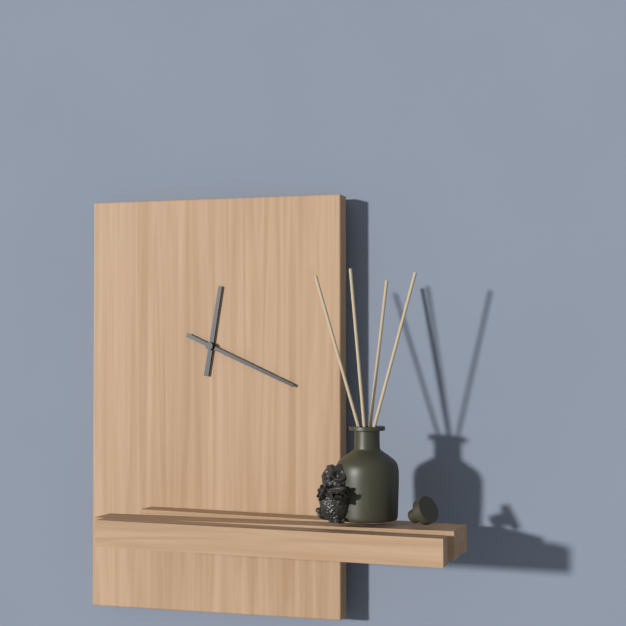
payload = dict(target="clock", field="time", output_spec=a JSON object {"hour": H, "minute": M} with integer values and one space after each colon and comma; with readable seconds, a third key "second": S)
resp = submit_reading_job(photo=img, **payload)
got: {"hour": 12, "minute": 19}
